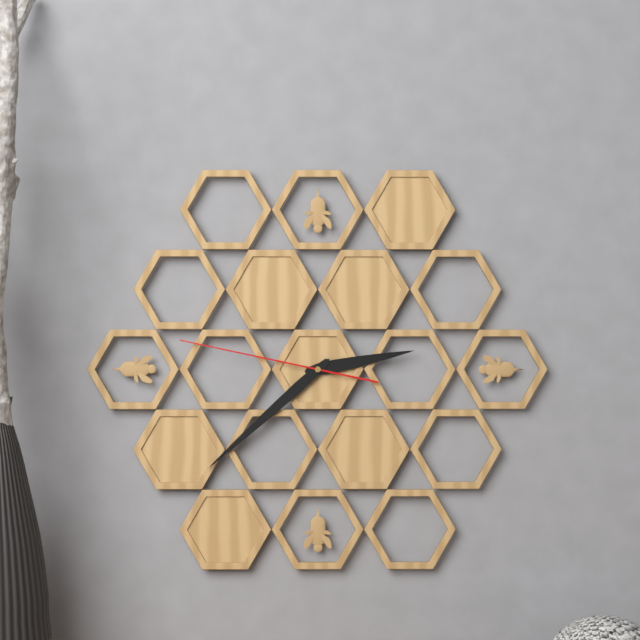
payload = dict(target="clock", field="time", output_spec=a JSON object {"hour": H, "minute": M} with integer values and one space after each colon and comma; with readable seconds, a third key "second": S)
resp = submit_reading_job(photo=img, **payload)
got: {"hour": 2, "minute": 38, "second": 47}
